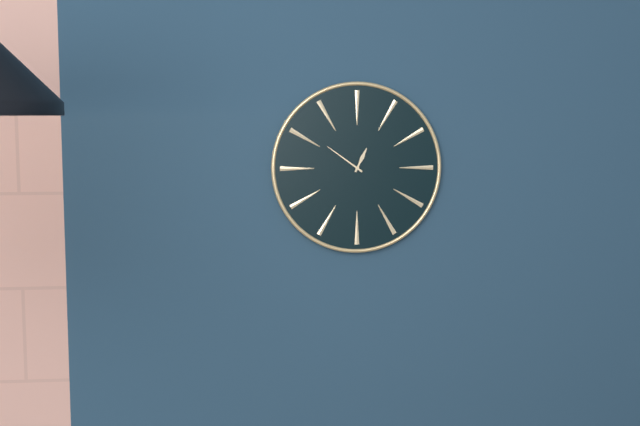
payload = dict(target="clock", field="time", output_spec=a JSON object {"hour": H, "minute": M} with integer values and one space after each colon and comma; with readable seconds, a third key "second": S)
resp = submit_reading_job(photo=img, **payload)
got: {"hour": 12, "minute": 51}
